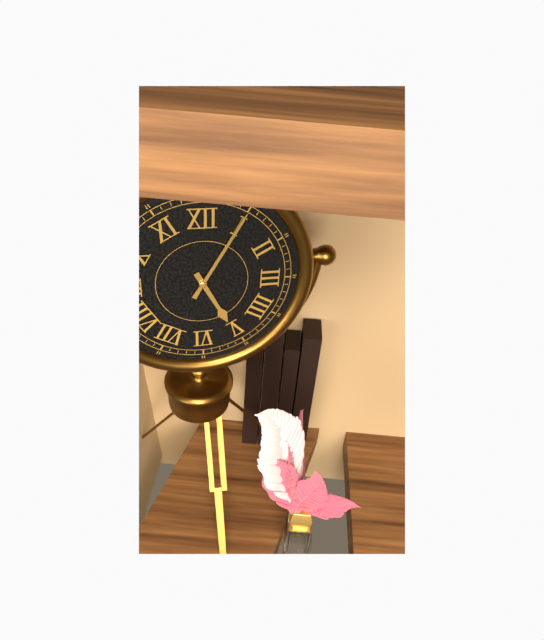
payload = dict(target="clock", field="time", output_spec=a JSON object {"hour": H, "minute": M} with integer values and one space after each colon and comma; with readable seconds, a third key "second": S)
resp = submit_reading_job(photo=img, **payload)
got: {"hour": 5, "minute": 5}
